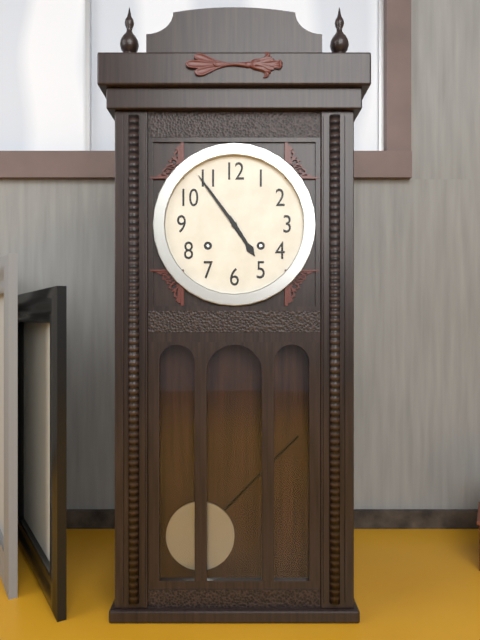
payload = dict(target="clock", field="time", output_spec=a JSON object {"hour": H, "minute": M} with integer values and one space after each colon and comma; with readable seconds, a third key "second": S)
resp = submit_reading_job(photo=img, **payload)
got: {"hour": 4, "minute": 54}
